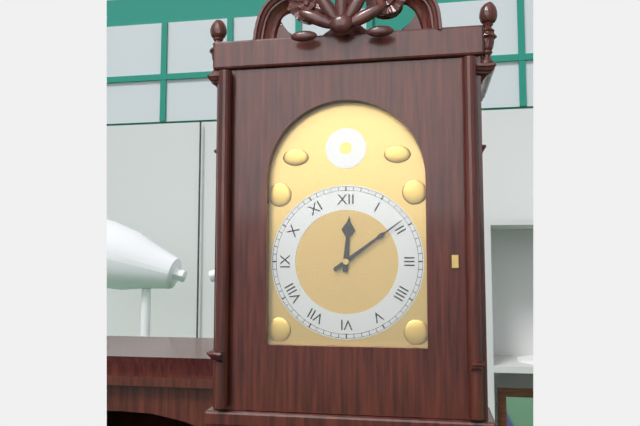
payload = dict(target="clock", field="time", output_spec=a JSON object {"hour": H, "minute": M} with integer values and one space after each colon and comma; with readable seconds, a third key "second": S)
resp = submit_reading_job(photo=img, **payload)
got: {"hour": 12, "minute": 9}
